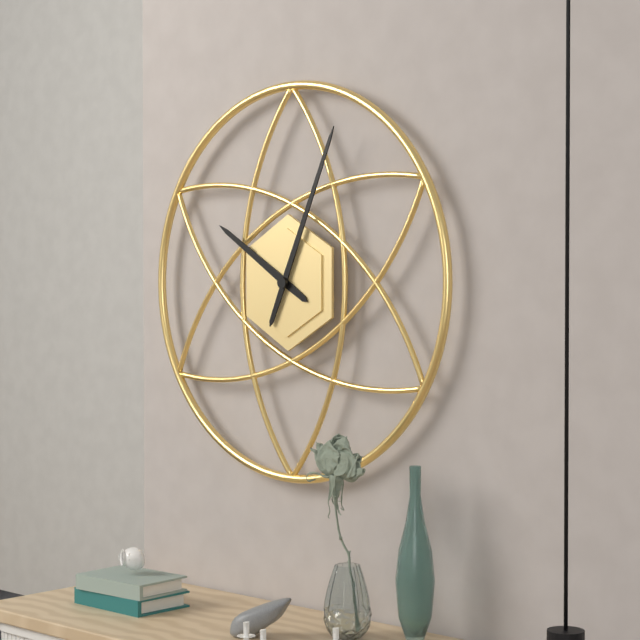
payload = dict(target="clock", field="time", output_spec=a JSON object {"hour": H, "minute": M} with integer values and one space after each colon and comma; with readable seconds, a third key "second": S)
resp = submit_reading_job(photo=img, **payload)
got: {"hour": 10, "minute": 4}
